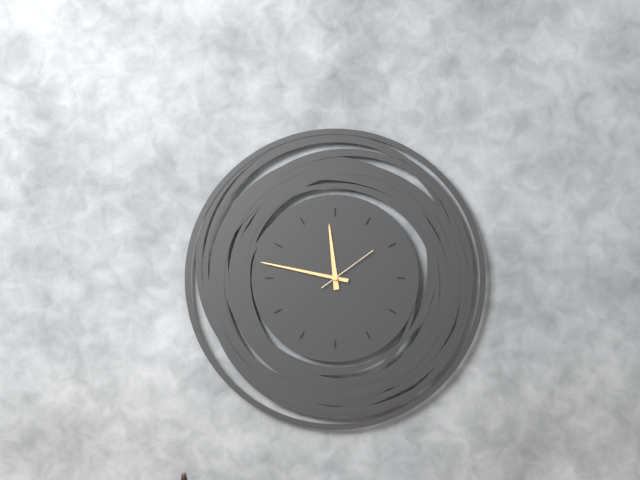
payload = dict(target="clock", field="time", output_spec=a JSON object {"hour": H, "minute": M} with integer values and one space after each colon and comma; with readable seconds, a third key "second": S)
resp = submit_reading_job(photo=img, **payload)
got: {"hour": 11, "minute": 47, "second": 9}
